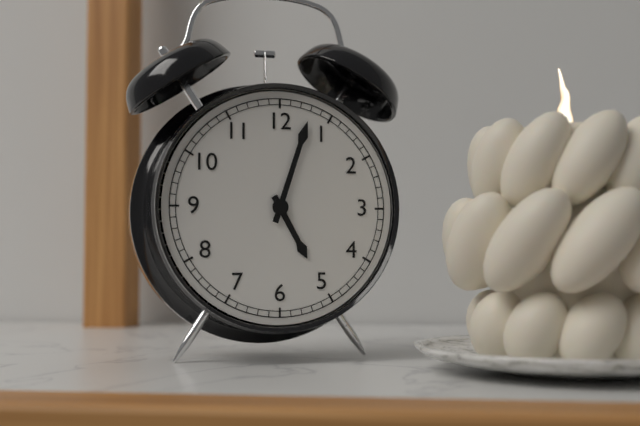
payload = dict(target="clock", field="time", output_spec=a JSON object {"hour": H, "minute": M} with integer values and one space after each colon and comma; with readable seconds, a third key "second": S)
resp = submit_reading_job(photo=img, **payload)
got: {"hour": 5, "minute": 3}
